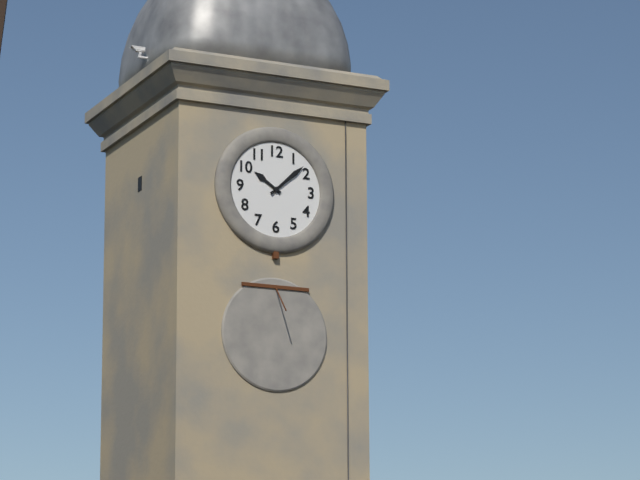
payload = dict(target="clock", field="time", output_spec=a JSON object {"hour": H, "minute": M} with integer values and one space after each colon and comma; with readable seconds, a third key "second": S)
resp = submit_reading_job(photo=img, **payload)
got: {"hour": 10, "minute": 8}
